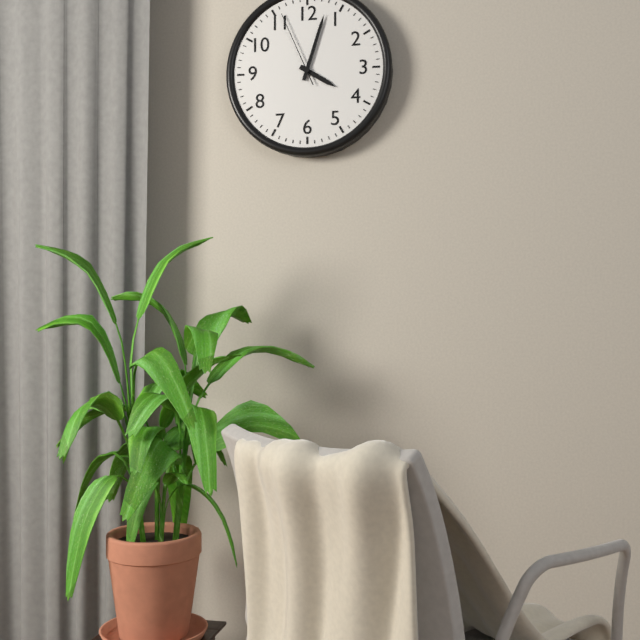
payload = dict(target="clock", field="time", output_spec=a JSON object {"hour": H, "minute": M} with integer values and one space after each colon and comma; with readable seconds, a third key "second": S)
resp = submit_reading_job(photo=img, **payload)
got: {"hour": 4, "minute": 3, "second": 56}
